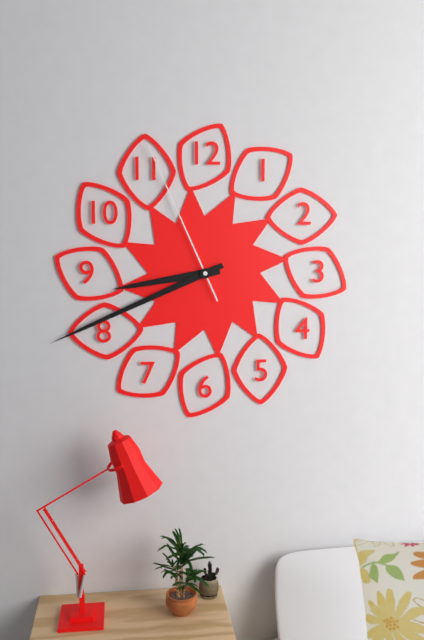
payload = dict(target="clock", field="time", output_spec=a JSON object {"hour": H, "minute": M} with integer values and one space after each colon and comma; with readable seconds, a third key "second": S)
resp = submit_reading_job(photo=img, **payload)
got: {"hour": 8, "minute": 41, "second": 56}
